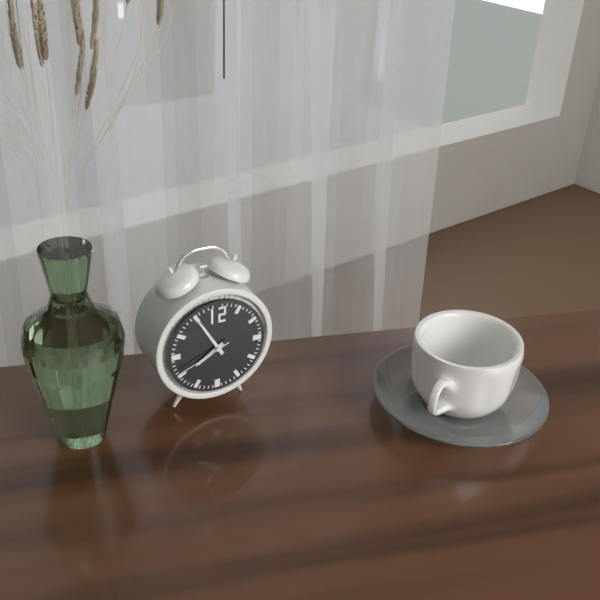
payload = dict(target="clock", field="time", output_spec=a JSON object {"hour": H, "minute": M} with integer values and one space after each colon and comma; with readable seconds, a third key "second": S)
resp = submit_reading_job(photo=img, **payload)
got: {"hour": 7, "minute": 55, "second": 41}
